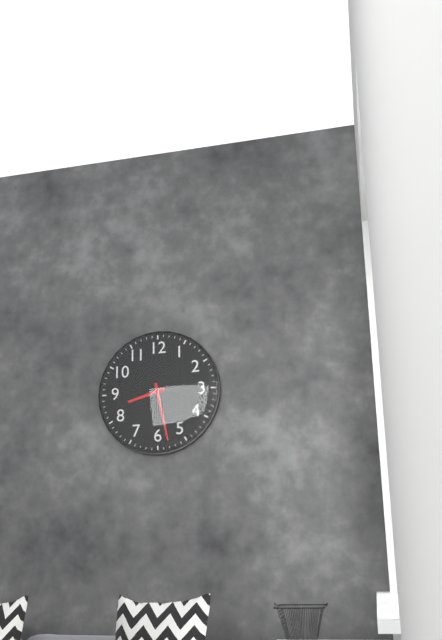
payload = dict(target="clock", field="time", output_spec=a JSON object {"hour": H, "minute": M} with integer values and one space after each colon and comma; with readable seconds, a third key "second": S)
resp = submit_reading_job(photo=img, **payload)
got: {"hour": 8, "minute": 28}
